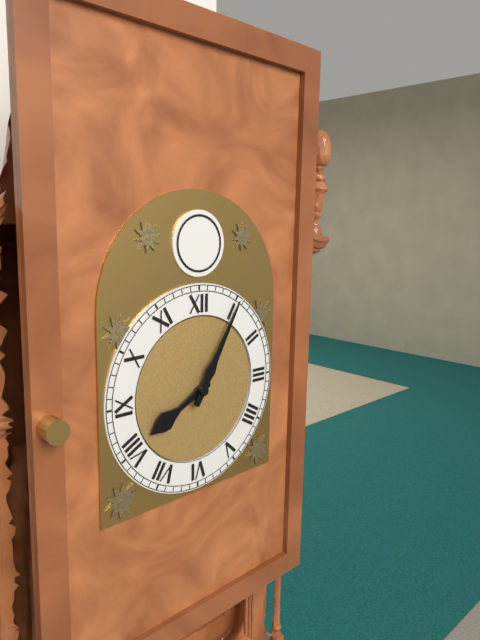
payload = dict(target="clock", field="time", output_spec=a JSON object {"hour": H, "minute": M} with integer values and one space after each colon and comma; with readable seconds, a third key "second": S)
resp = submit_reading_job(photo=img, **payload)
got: {"hour": 8, "minute": 5}
